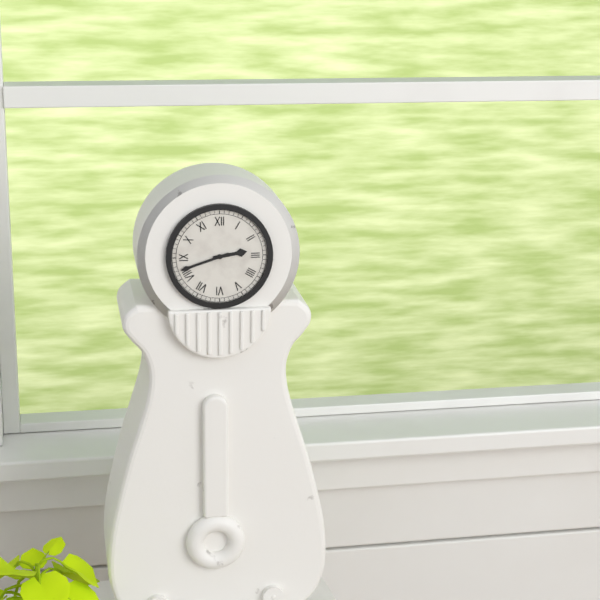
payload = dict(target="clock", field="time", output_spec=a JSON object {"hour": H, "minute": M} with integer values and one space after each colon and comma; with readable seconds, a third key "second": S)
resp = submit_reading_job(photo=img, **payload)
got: {"hour": 2, "minute": 42}
